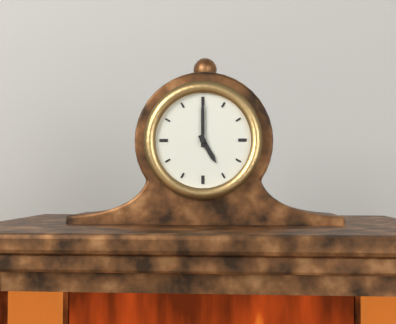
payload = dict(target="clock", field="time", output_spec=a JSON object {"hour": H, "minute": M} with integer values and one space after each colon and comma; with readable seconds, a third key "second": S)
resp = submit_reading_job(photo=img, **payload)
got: {"hour": 5, "minute": 0}
